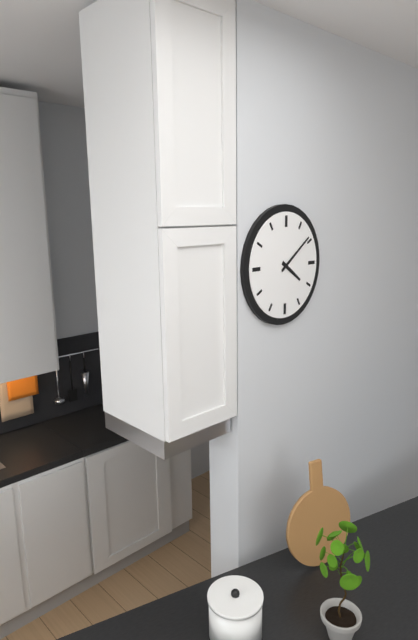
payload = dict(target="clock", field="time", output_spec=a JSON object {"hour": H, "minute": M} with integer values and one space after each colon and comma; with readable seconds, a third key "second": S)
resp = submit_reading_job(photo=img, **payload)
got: {"hour": 4, "minute": 9}
